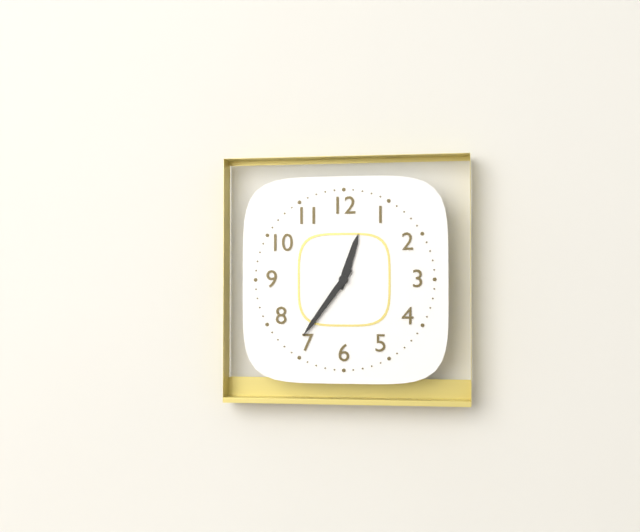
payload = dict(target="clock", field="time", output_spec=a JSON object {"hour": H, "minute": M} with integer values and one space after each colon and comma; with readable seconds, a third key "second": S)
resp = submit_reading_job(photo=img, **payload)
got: {"hour": 12, "minute": 36}
